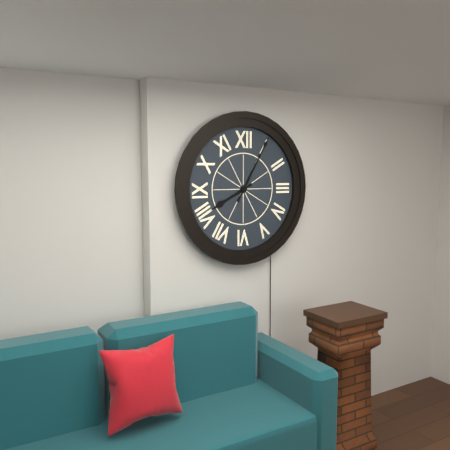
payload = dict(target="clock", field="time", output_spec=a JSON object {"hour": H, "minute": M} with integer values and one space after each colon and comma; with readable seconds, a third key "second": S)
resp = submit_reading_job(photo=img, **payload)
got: {"hour": 8, "minute": 5}
